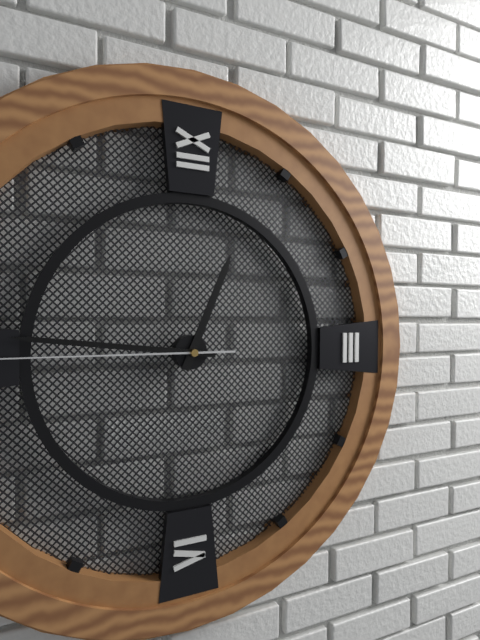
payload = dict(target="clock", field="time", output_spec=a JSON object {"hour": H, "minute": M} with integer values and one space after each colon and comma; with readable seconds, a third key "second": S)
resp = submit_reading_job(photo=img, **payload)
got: {"hour": 12, "minute": 46}
